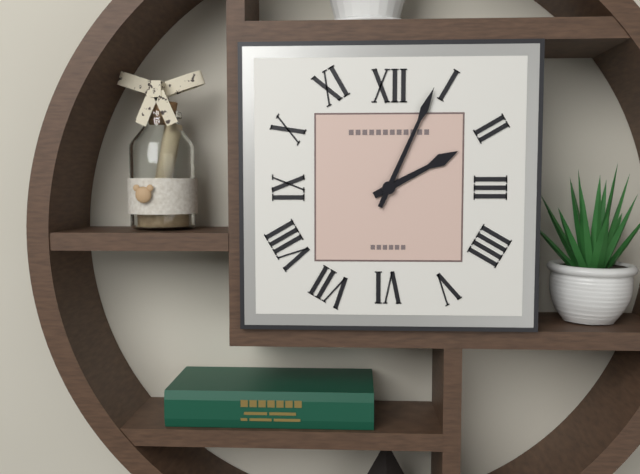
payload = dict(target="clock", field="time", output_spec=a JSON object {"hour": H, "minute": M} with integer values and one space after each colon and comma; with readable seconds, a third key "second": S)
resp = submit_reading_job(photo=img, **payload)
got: {"hour": 2, "minute": 4}
